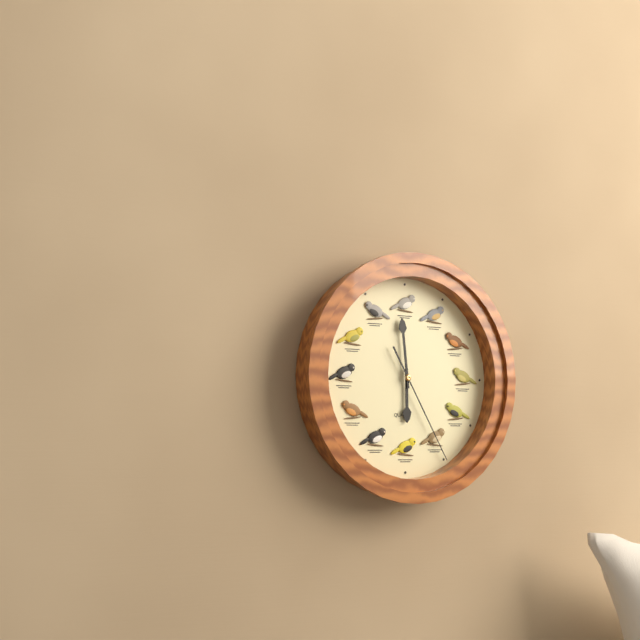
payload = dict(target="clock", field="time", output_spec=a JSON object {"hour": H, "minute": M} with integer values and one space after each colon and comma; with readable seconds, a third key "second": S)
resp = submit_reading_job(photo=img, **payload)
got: {"hour": 5, "minute": 59, "second": 25}
